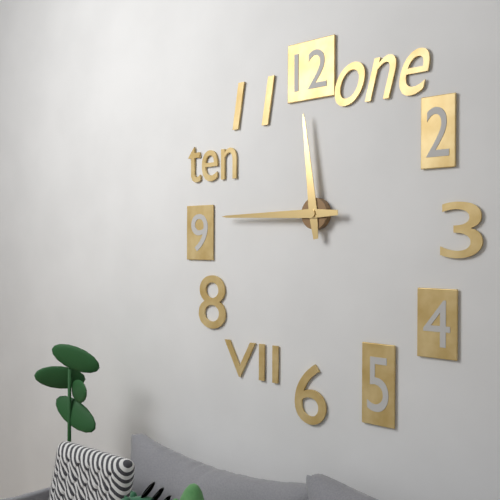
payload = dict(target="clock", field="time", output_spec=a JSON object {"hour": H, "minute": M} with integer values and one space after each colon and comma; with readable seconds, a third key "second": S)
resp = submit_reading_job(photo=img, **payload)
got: {"hour": 11, "minute": 45}
